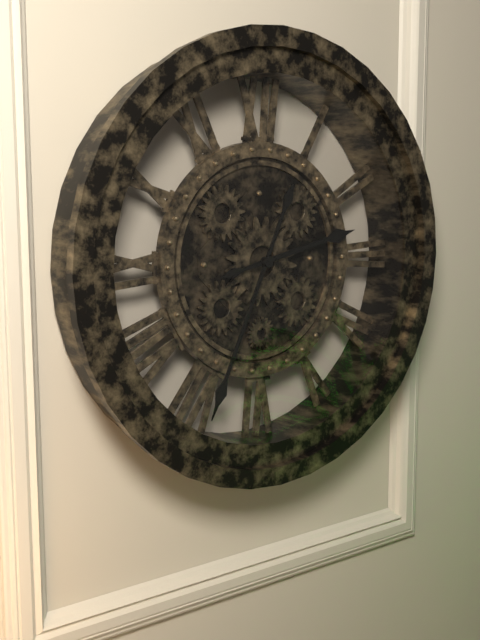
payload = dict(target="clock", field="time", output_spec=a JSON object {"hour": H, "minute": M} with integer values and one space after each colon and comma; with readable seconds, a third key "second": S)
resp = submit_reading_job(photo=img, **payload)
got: {"hour": 2, "minute": 34}
